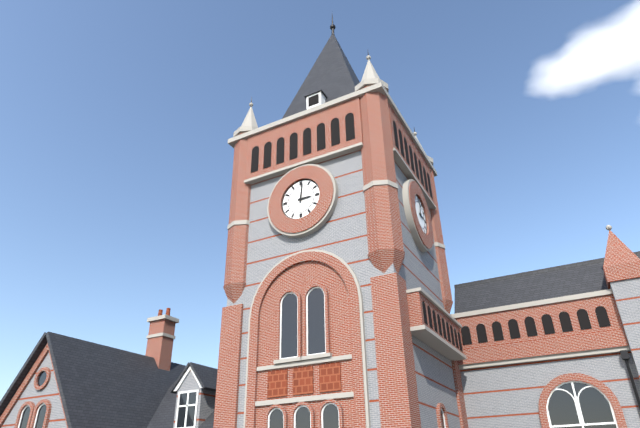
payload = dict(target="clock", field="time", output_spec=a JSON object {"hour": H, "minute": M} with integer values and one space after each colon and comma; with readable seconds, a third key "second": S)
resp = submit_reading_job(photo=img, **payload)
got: {"hour": 3, "minute": 1}
